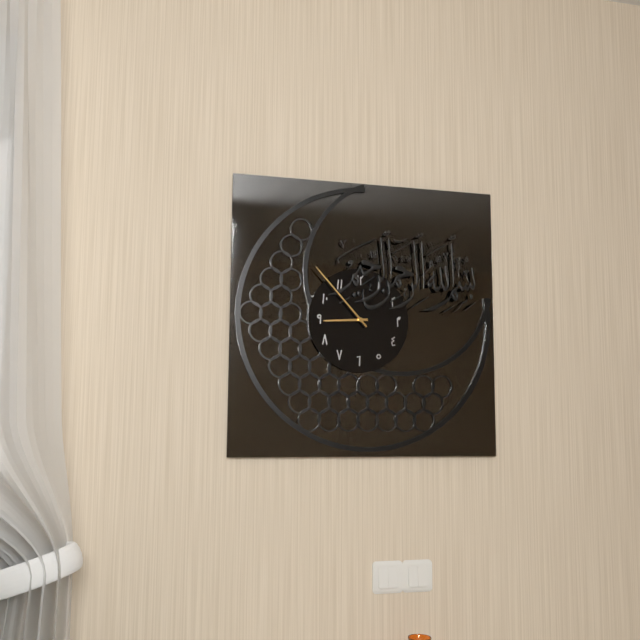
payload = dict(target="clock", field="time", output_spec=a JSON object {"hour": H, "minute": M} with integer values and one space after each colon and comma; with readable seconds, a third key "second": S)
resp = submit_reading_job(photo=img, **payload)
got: {"hour": 8, "minute": 53}
